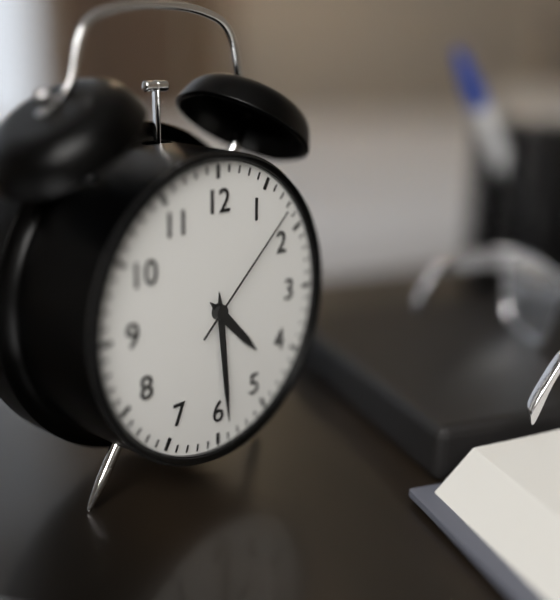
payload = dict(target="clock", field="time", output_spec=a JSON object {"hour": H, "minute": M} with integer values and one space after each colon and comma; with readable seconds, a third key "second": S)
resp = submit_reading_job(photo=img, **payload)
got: {"hour": 4, "minute": 29, "second": 8}
